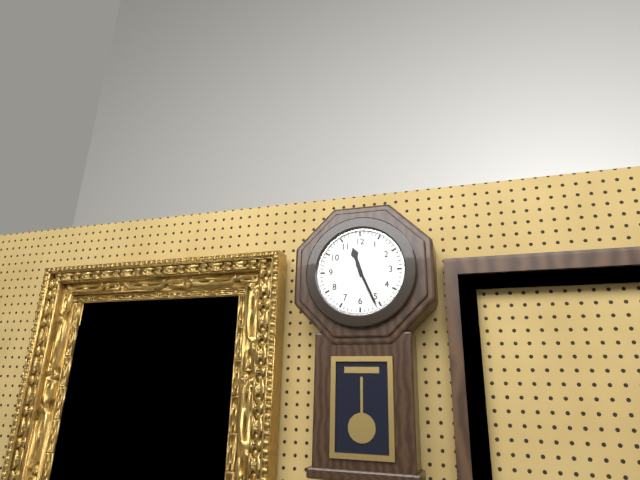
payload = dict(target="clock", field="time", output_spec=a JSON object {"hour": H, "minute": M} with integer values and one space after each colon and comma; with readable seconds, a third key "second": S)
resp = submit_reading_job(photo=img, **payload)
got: {"hour": 11, "minute": 26}
